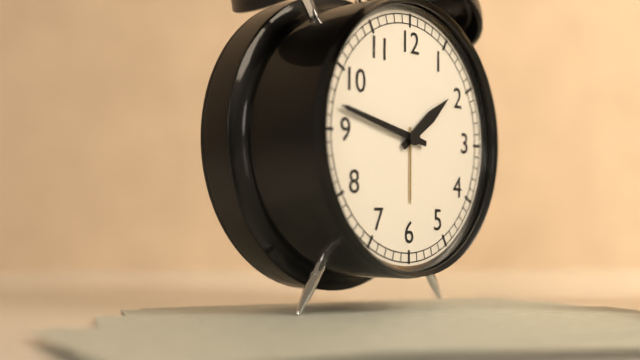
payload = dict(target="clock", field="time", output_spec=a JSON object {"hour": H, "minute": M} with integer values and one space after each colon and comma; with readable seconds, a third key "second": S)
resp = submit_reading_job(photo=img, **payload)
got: {"hour": 1, "minute": 47}
